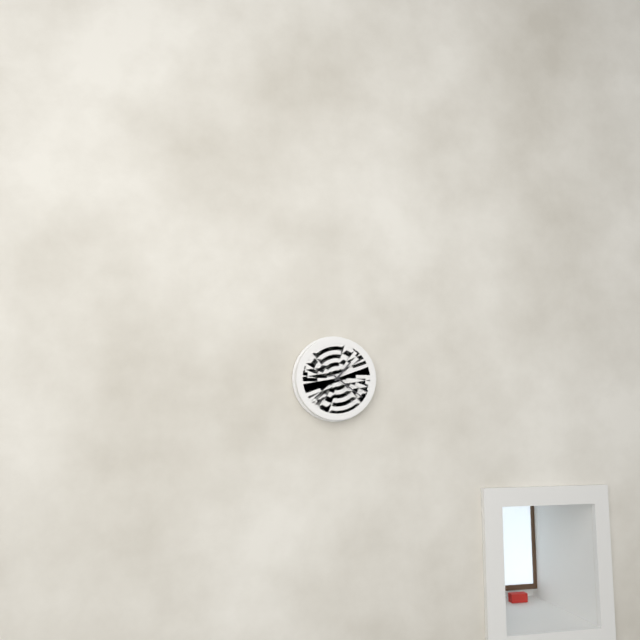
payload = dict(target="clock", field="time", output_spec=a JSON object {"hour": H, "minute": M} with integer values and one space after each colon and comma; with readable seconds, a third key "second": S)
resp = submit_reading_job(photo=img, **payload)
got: {"hour": 1, "minute": 21}
